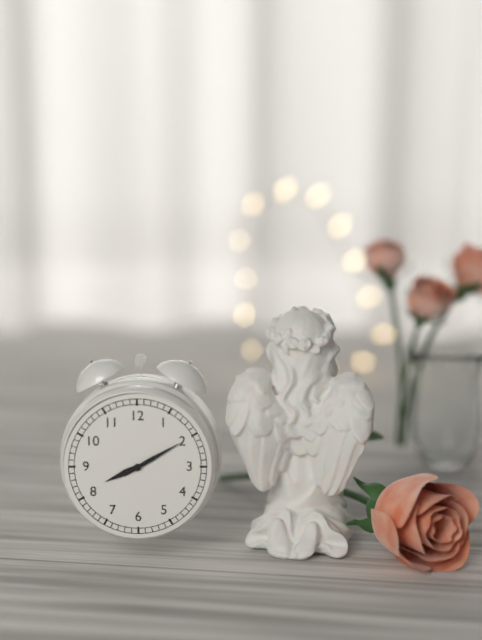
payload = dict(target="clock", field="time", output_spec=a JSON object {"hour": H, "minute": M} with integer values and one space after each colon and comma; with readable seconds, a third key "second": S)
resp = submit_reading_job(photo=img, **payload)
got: {"hour": 8, "minute": 10}
